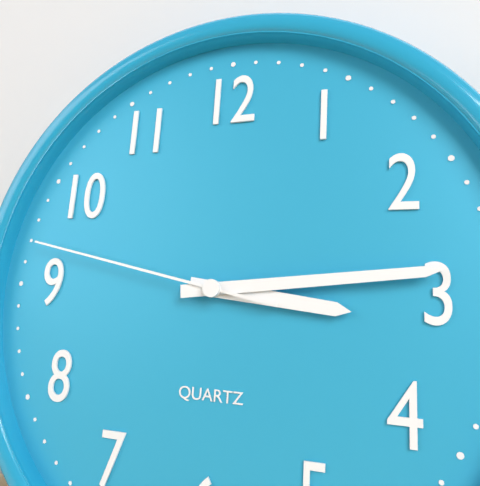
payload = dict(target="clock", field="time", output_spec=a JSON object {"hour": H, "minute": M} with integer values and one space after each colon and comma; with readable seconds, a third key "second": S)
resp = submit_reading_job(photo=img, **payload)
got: {"hour": 3, "minute": 14, "second": 47}
